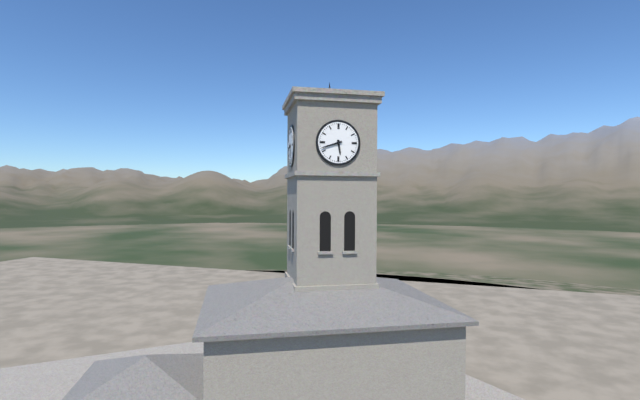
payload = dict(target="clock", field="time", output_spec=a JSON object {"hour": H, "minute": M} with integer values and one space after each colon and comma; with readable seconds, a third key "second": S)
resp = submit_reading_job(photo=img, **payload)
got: {"hour": 5, "minute": 42}
